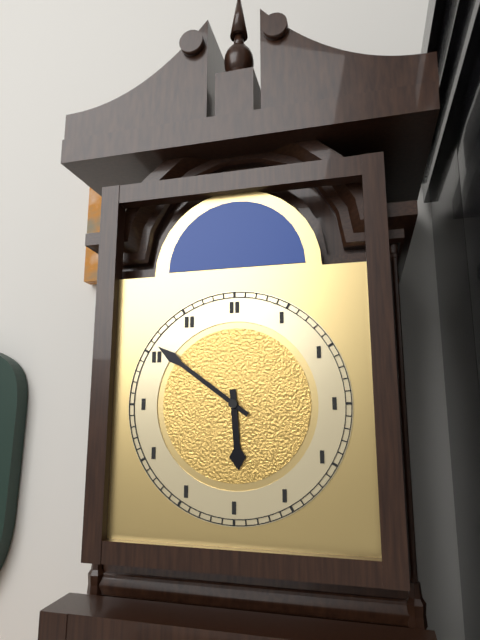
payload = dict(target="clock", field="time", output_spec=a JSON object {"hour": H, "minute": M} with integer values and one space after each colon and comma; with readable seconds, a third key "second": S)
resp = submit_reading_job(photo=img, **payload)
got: {"hour": 5, "minute": 51}
